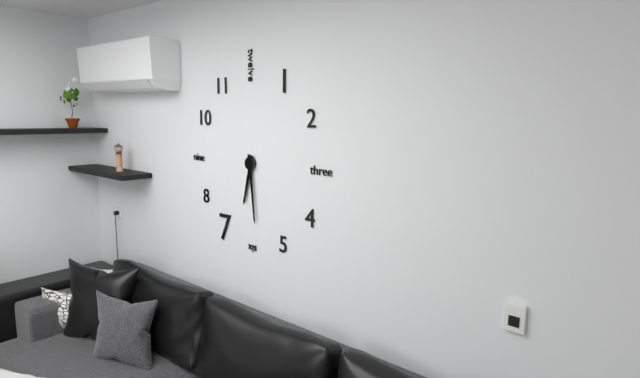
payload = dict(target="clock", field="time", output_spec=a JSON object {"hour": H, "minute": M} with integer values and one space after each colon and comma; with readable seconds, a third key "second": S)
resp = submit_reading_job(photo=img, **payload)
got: {"hour": 6, "minute": 29}
